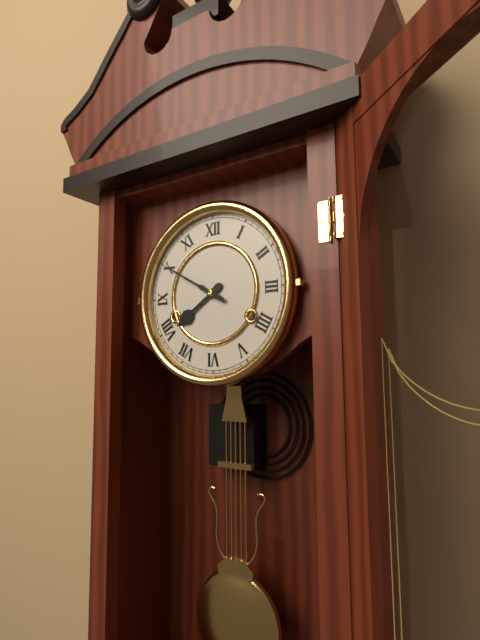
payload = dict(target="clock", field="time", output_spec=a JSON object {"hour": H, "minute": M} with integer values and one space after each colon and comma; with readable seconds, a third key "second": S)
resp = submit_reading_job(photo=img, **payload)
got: {"hour": 7, "minute": 50}
